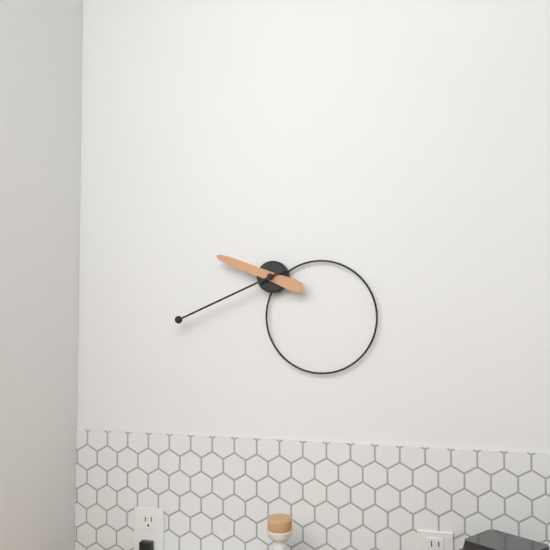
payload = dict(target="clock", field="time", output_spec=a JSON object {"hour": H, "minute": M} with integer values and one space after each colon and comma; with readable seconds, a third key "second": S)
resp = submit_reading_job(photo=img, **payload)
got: {"hour": 9, "minute": 41}
